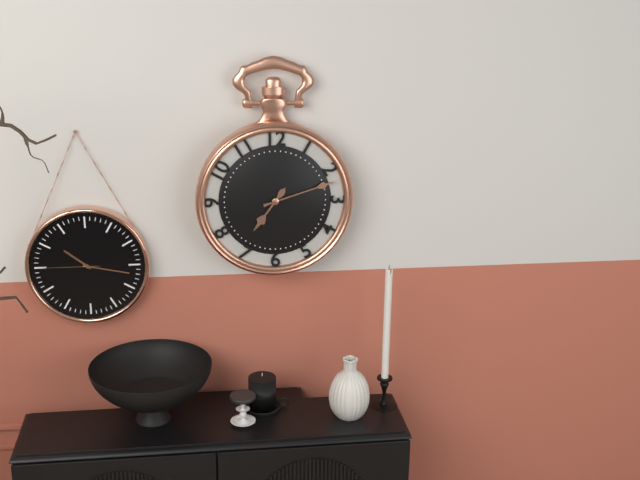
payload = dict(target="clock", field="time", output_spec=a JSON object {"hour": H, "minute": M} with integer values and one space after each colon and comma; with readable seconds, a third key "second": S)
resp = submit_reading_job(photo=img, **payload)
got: {"hour": 7, "minute": 12}
